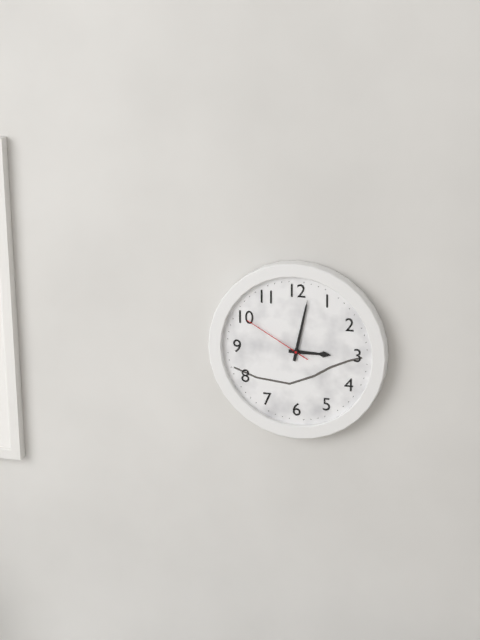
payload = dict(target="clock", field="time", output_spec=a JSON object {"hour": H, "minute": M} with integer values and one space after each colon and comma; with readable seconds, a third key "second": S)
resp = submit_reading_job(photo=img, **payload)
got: {"hour": 3, "minute": 2, "second": 50}
